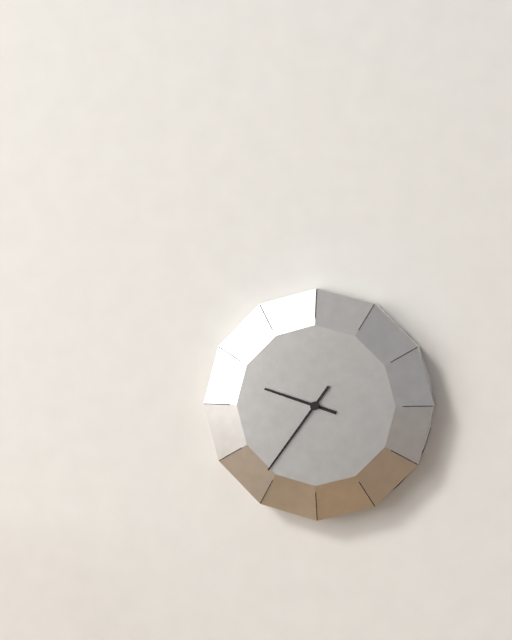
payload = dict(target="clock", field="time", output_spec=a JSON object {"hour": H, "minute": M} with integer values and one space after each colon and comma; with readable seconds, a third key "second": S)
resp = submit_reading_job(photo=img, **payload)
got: {"hour": 9, "minute": 36}
